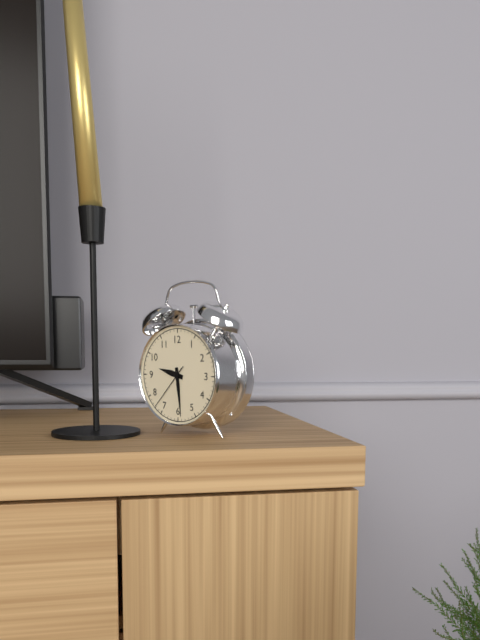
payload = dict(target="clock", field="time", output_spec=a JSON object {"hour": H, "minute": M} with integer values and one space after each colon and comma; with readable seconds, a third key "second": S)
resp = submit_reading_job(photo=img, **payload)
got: {"hour": 9, "minute": 29}
